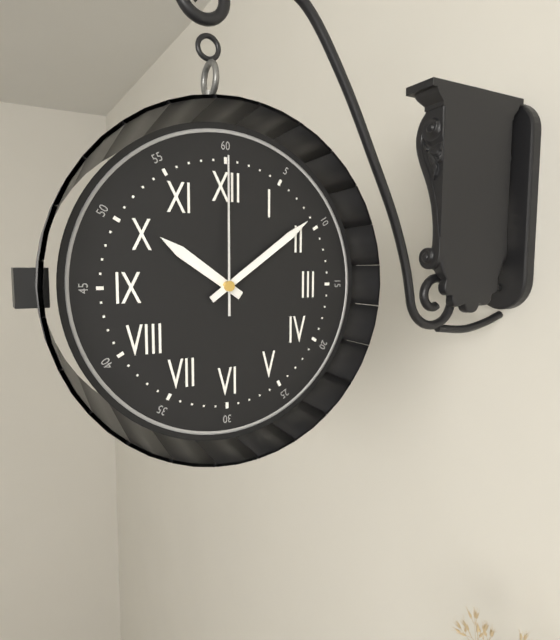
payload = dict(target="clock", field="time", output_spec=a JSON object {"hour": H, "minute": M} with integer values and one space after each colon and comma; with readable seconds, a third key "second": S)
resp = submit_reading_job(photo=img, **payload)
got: {"hour": 10, "minute": 9, "second": 0}
